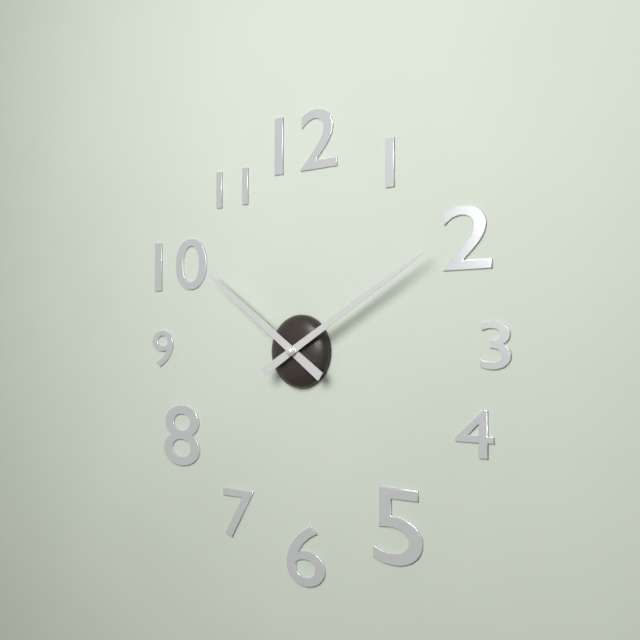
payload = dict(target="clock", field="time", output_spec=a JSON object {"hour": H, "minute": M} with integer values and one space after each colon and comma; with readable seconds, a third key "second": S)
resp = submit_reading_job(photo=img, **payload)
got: {"hour": 10, "minute": 10}
